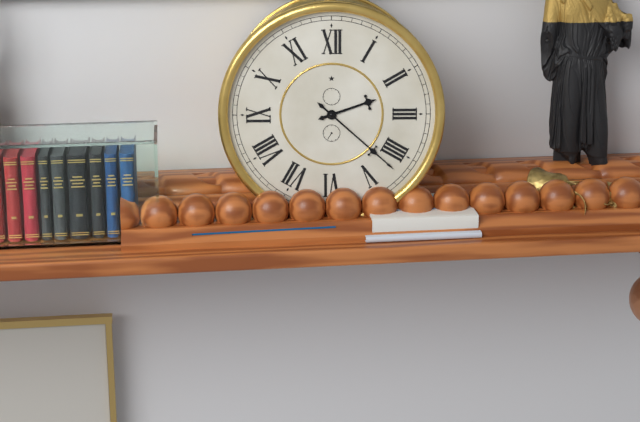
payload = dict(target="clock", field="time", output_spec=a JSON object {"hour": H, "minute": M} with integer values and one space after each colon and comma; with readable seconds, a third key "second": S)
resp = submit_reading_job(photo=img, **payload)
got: {"hour": 2, "minute": 22}
